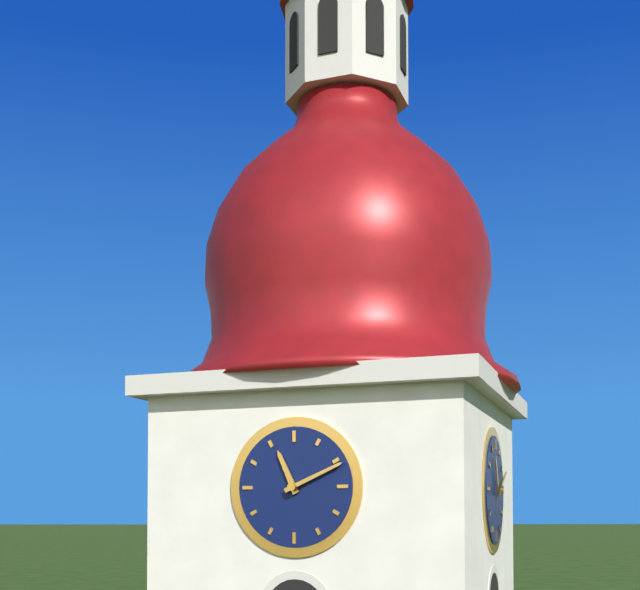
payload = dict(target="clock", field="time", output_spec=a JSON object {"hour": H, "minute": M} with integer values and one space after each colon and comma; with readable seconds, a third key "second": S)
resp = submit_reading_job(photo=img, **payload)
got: {"hour": 11, "minute": 11}
